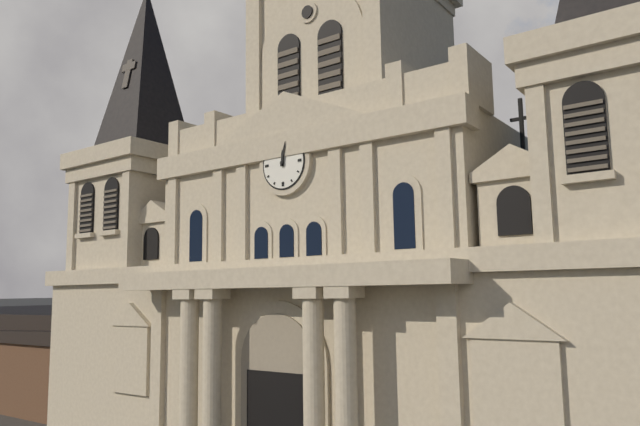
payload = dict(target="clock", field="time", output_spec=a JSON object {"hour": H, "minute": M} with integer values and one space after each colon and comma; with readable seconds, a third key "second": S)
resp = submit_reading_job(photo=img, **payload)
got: {"hour": 12, "minute": 2}
